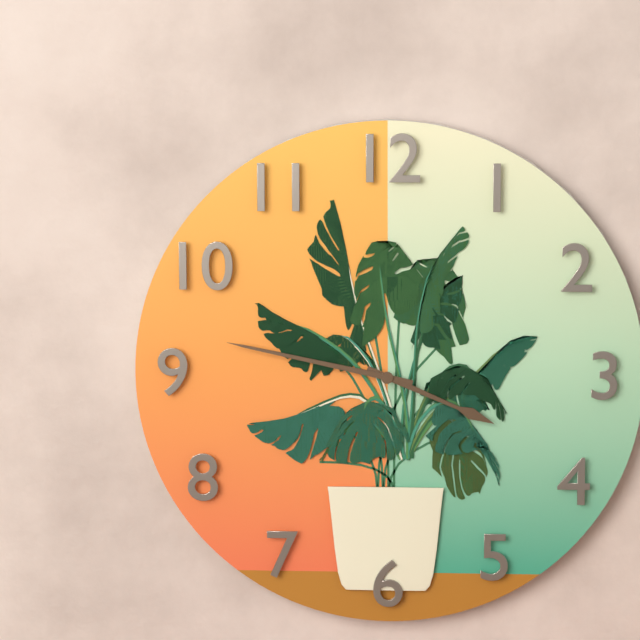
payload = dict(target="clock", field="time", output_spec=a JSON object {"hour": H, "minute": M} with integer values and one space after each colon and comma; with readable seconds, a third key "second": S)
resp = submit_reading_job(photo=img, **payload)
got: {"hour": 3, "minute": 47}
